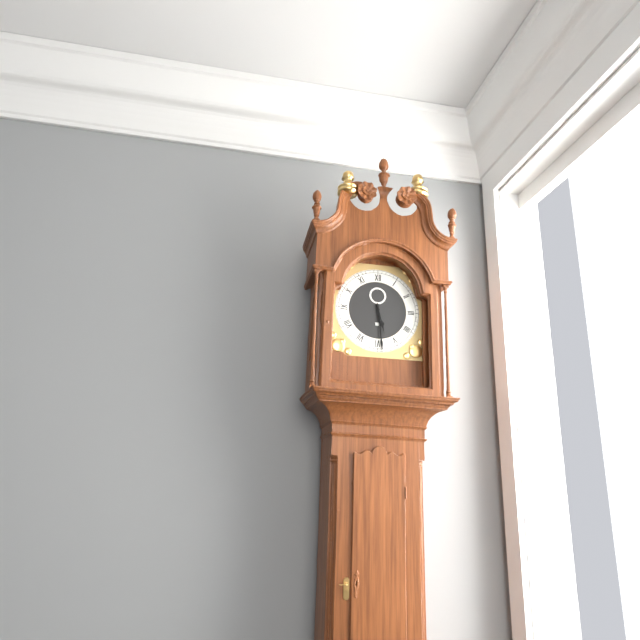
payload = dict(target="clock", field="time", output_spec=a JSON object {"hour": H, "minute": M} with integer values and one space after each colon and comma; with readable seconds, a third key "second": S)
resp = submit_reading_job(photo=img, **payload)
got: {"hour": 5, "minute": 29}
